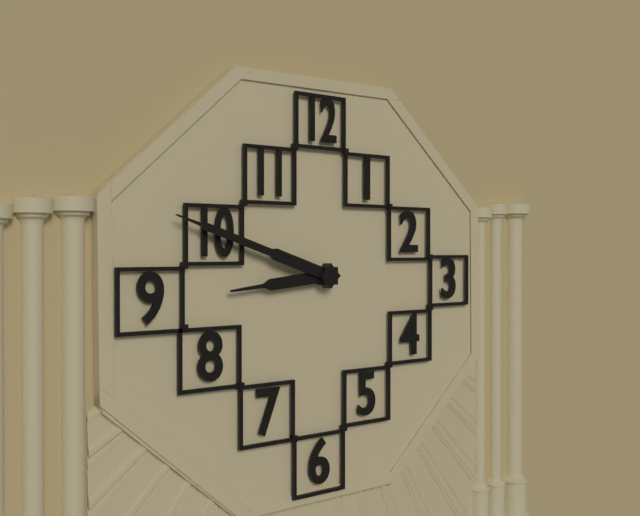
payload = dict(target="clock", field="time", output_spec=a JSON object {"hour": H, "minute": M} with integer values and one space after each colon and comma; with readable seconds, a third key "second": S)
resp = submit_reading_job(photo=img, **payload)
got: {"hour": 8, "minute": 48}
